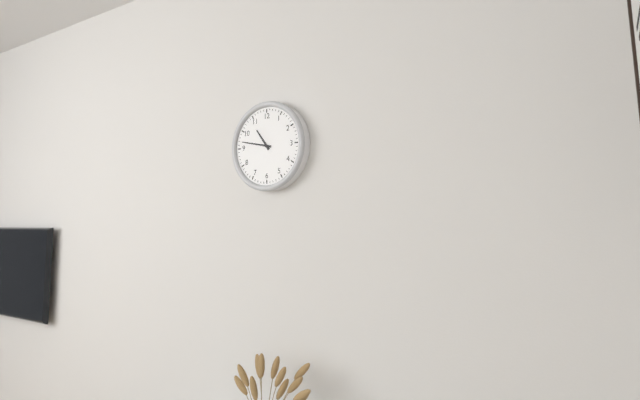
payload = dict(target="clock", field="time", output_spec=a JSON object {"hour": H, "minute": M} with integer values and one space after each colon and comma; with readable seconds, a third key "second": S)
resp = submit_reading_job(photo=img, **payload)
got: {"hour": 10, "minute": 47}
